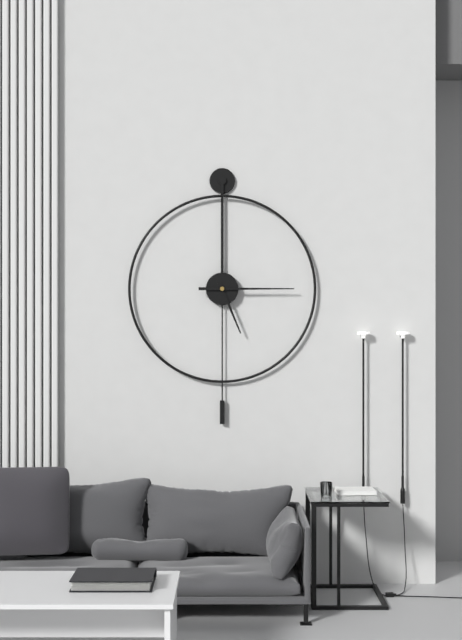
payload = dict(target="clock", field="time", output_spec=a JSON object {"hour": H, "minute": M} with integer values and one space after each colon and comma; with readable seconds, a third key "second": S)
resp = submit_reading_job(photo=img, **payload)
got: {"hour": 5, "minute": 15}
